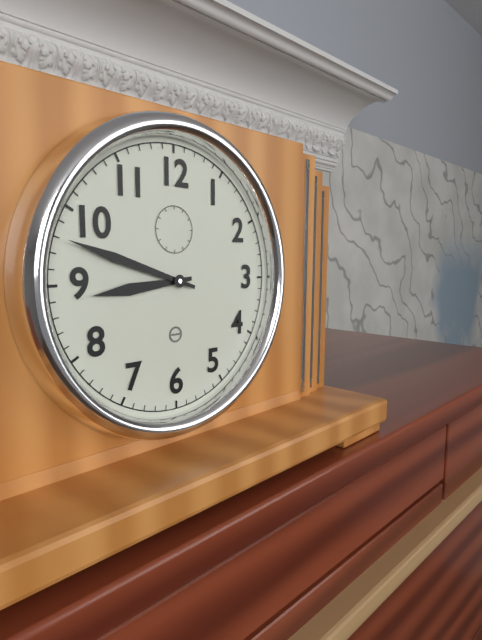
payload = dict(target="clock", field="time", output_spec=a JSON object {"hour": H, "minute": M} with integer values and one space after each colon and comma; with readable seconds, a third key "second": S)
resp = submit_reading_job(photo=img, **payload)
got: {"hour": 8, "minute": 48}
